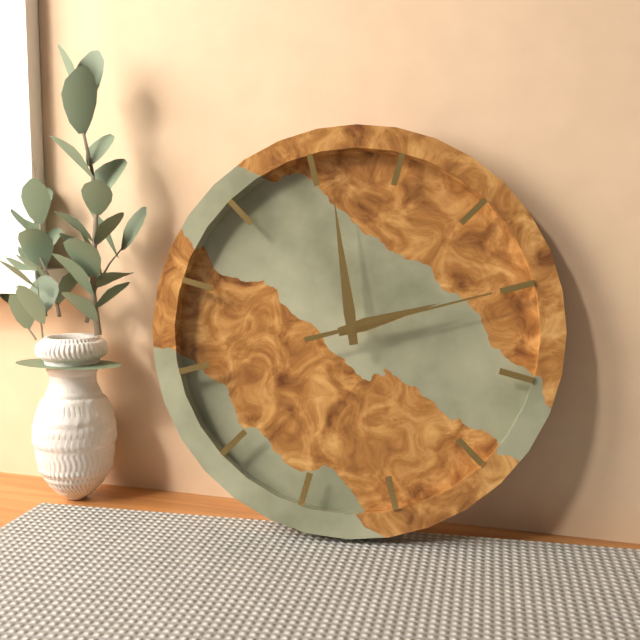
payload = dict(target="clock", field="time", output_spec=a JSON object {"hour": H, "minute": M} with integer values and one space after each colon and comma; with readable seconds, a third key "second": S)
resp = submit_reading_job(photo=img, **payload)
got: {"hour": 1, "minute": 56, "second": 10}
